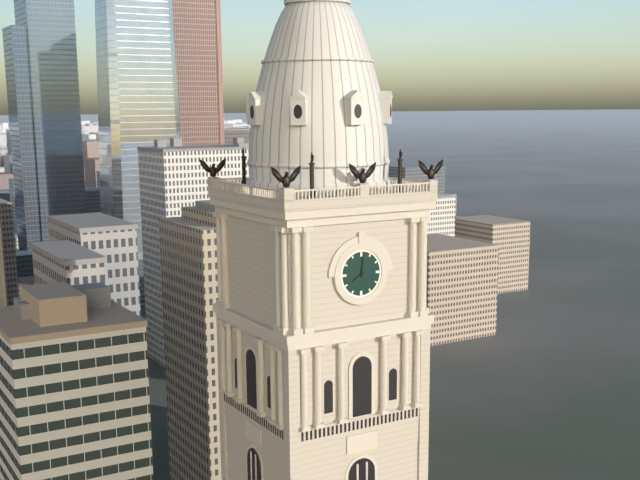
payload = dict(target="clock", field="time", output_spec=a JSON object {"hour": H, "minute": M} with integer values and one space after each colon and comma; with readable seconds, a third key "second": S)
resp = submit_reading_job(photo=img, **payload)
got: {"hour": 8, "minute": 1}
